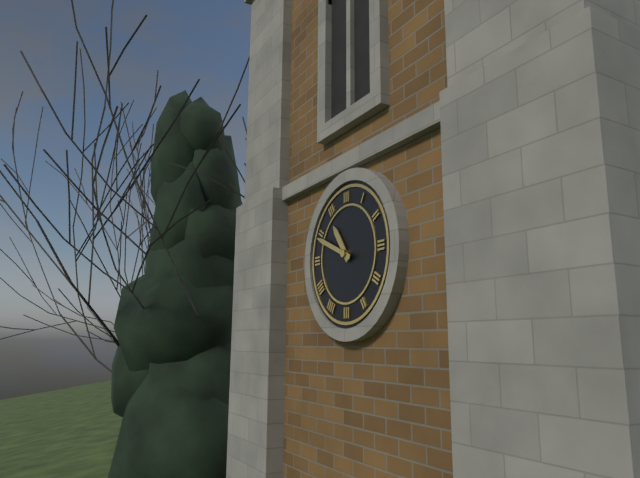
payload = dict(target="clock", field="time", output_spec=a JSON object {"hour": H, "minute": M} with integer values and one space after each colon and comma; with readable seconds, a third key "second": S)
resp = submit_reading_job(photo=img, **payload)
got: {"hour": 10, "minute": 49}
